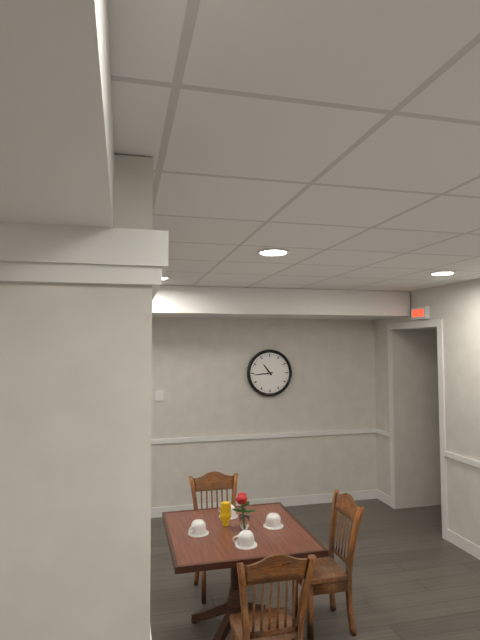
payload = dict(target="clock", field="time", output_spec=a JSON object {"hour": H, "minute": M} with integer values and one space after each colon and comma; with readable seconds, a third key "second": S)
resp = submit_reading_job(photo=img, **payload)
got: {"hour": 10, "minute": 44}
